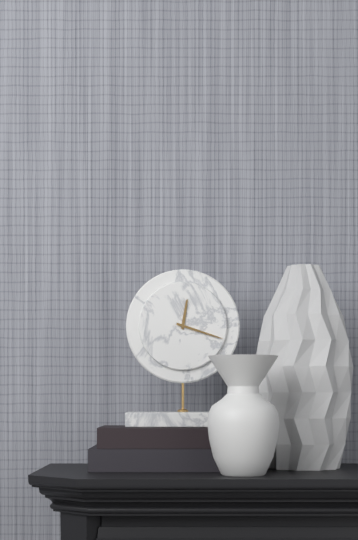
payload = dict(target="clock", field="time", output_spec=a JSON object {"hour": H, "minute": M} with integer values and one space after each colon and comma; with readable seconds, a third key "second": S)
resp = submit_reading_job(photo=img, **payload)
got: {"hour": 12, "minute": 18}
